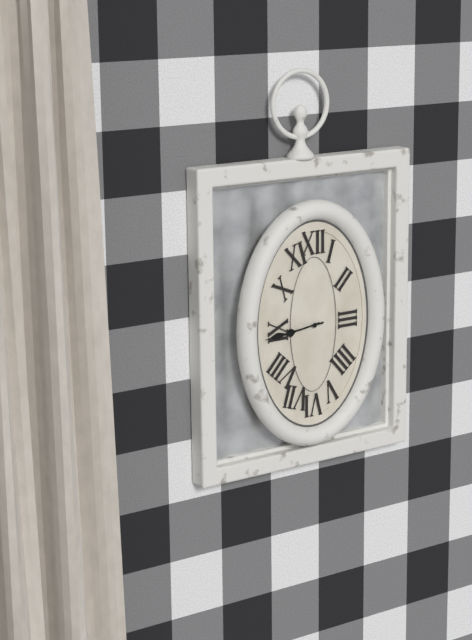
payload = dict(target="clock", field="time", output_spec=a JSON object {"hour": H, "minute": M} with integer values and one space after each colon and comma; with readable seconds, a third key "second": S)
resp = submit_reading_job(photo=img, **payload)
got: {"hour": 8, "minute": 44}
